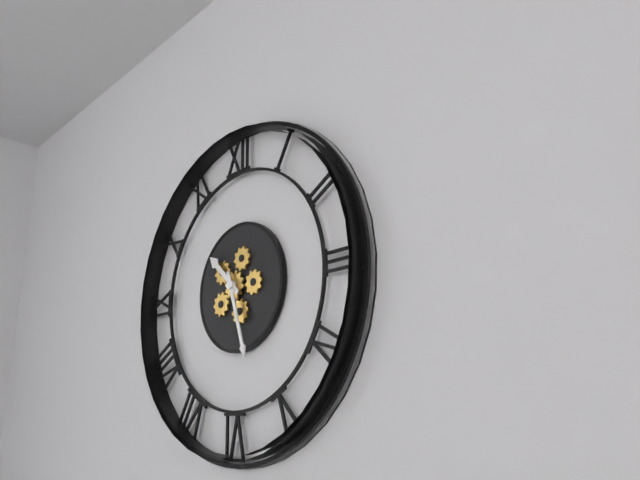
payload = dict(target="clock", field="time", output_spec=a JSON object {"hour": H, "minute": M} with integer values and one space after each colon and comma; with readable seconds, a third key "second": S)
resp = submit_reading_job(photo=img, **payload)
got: {"hour": 10, "minute": 27}
